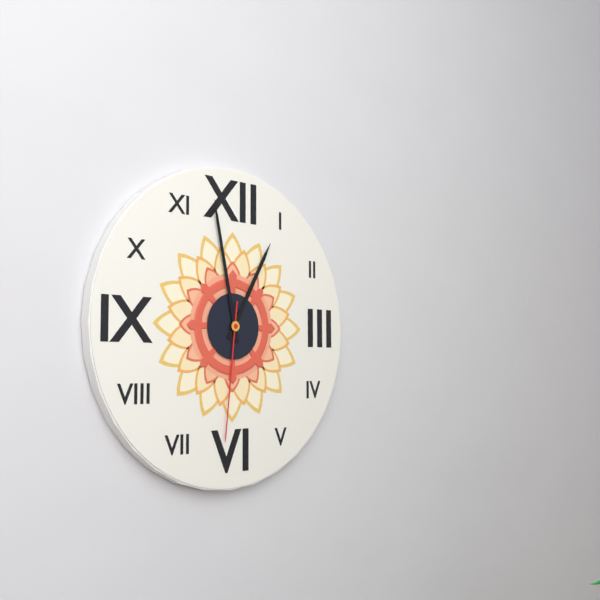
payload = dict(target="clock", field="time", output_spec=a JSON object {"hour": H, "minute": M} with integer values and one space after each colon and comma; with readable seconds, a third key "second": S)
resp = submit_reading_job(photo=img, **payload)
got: {"hour": 12, "minute": 58, "second": 31}
